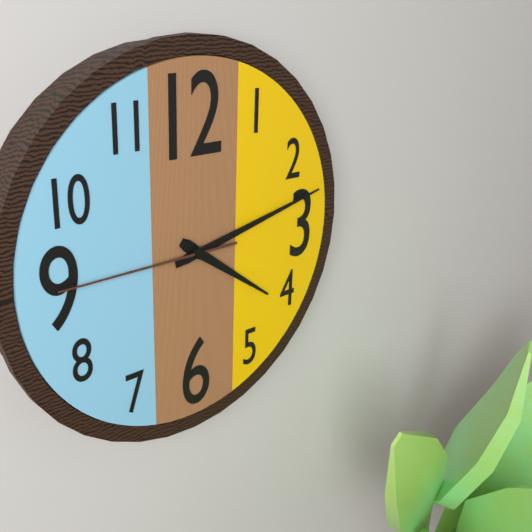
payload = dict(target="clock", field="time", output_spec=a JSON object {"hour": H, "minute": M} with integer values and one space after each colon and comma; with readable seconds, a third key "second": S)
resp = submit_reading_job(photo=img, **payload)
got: {"hour": 4, "minute": 13, "second": 45}
